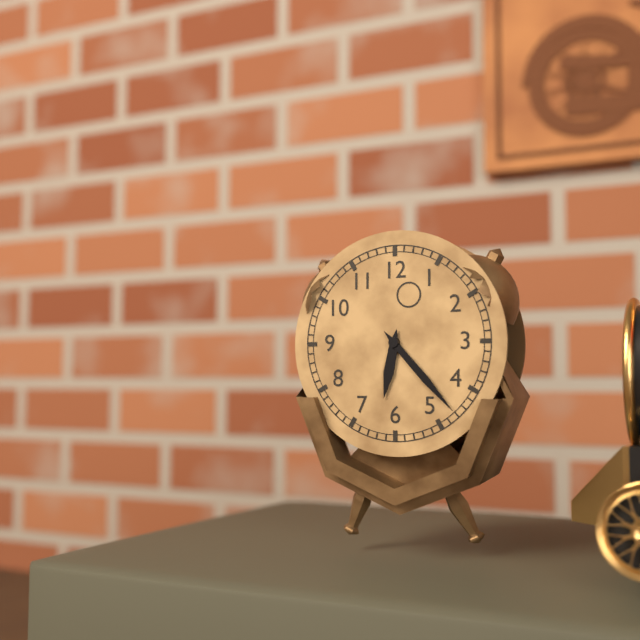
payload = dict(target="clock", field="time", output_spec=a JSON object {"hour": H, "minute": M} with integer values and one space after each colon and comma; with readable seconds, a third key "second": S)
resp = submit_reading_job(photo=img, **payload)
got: {"hour": 6, "minute": 23}
